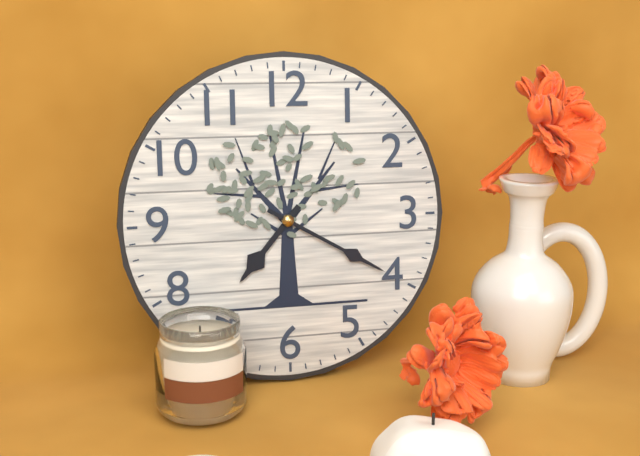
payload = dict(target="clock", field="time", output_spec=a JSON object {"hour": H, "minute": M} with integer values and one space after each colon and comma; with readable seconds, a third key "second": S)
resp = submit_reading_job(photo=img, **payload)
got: {"hour": 7, "minute": 20}
